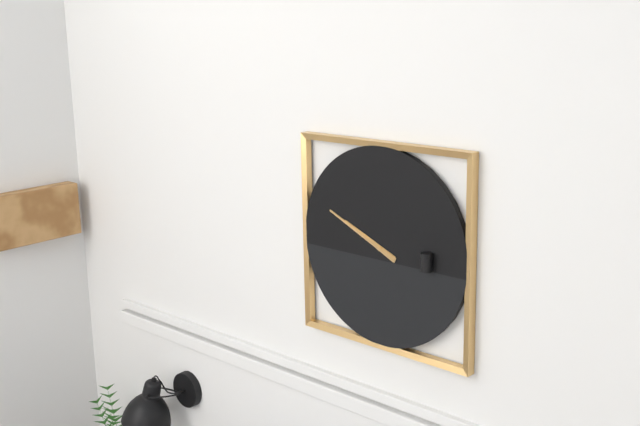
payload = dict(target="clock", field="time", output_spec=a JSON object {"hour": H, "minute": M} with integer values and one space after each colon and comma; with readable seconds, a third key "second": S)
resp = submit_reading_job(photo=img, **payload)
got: {"hour": 9, "minute": 49}
